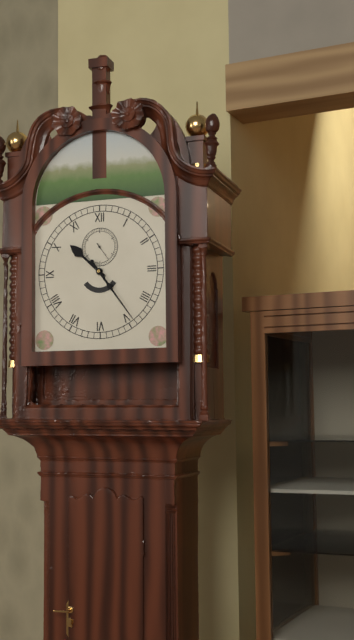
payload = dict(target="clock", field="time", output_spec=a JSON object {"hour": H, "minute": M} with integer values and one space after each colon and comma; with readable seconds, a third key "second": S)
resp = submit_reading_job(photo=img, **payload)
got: {"hour": 10, "minute": 24}
